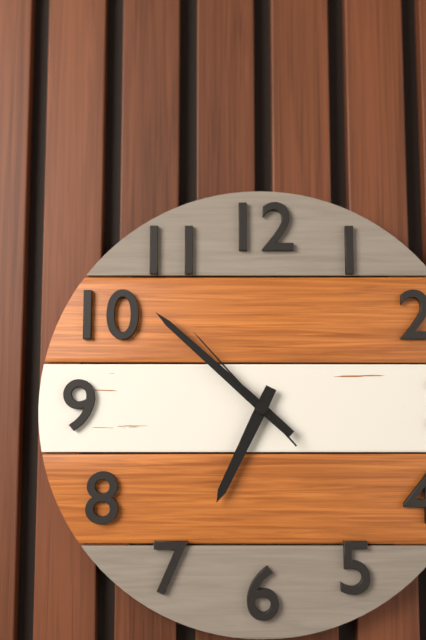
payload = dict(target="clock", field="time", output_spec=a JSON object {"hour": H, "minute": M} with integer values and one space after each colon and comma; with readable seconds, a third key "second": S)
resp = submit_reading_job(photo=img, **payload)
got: {"hour": 6, "minute": 52, "second": 53}
